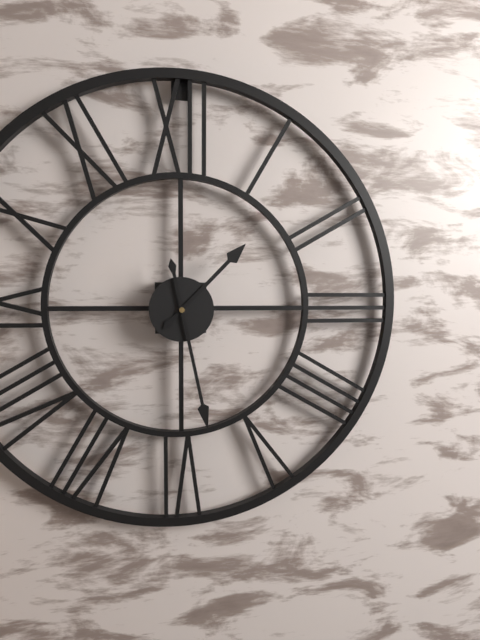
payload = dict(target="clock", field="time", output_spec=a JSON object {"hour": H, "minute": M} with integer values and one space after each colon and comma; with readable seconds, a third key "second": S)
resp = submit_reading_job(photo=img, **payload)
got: {"hour": 1, "minute": 28}
